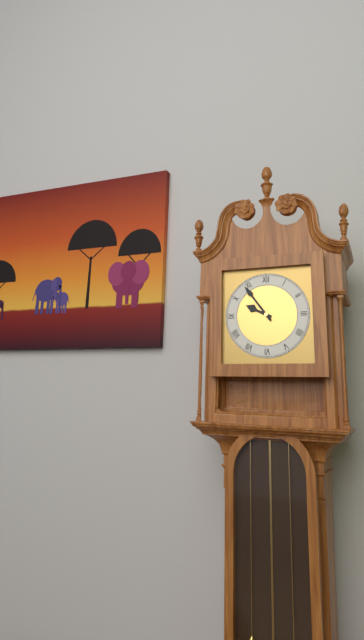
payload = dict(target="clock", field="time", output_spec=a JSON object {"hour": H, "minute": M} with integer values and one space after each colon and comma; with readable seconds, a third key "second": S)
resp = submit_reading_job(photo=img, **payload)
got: {"hour": 9, "minute": 54}
